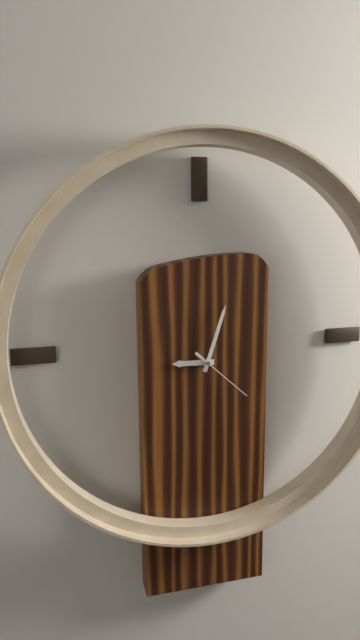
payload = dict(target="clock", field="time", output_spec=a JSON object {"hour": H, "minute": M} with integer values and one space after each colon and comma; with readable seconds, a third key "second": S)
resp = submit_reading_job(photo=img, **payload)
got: {"hour": 9, "minute": 3, "second": 22}
